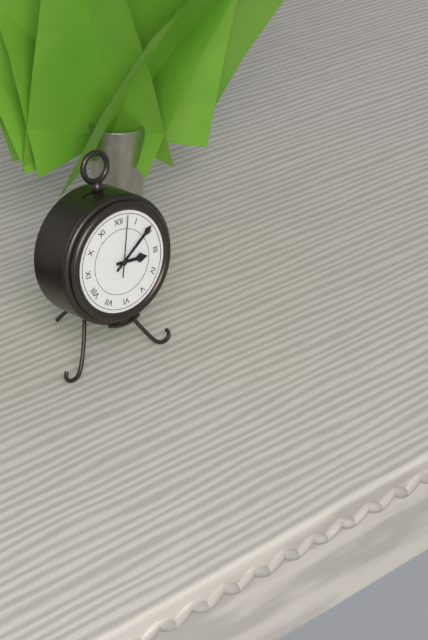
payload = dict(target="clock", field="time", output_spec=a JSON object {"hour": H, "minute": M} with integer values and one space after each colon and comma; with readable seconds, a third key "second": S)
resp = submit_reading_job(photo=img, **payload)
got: {"hour": 3, "minute": 9, "second": 2}
